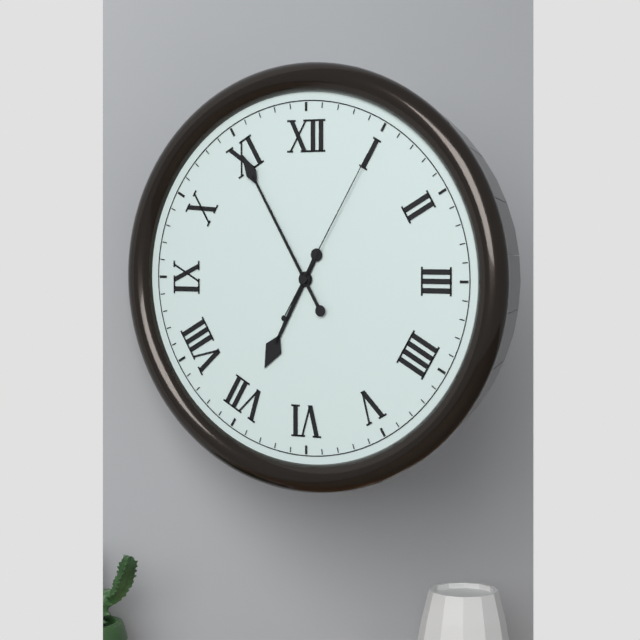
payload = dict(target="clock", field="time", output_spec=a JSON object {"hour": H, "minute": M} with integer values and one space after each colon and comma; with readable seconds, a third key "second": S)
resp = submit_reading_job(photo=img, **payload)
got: {"hour": 6, "minute": 55, "second": 5}
